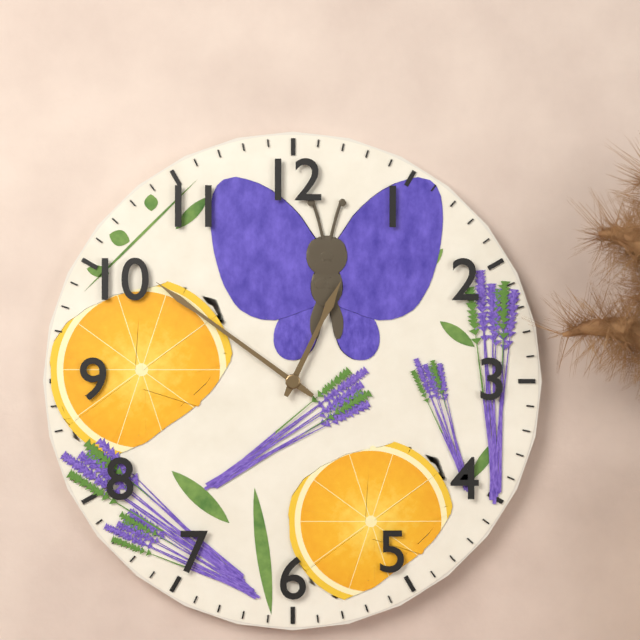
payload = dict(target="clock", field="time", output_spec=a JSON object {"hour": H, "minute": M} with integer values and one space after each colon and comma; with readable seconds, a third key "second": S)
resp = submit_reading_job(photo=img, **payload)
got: {"hour": 12, "minute": 51}
